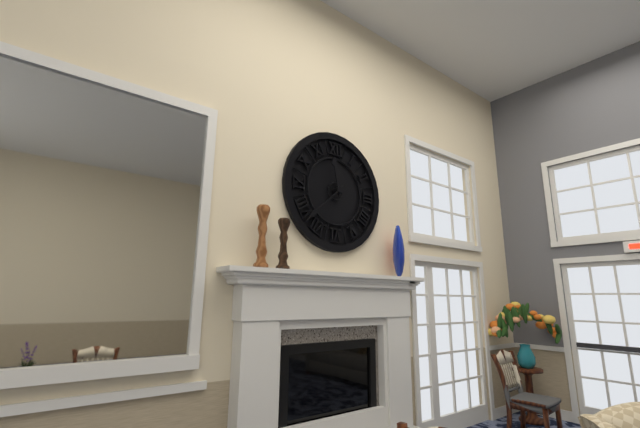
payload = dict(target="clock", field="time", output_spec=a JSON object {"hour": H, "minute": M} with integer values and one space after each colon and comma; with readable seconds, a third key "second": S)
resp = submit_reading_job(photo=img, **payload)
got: {"hour": 11, "minute": 38}
